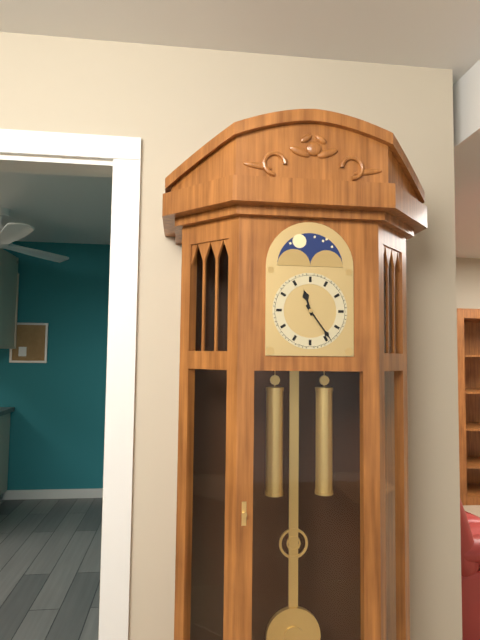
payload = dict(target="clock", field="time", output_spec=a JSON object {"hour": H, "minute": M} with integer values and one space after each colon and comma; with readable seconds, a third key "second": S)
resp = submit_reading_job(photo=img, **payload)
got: {"hour": 11, "minute": 24}
